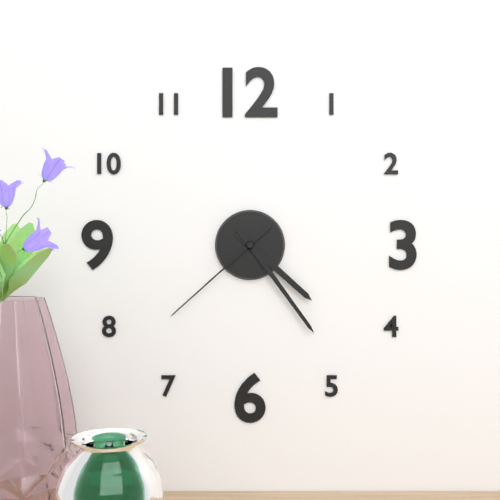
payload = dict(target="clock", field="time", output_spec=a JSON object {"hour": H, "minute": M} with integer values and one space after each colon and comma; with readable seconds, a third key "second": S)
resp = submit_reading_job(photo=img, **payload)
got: {"hour": 4, "minute": 24, "second": 38}
